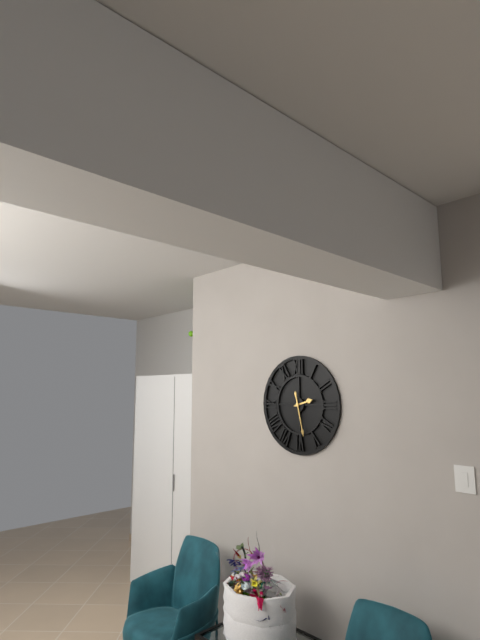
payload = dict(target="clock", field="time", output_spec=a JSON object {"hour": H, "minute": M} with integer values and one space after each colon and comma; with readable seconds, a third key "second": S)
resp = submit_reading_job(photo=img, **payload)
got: {"hour": 2, "minute": 28}
